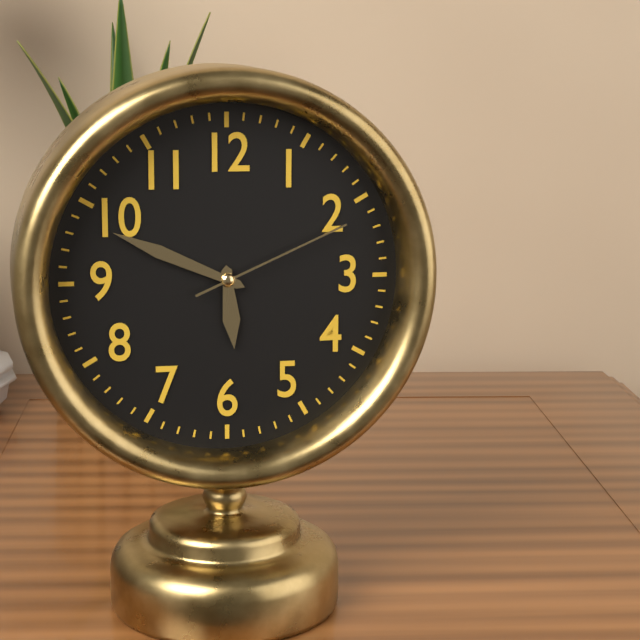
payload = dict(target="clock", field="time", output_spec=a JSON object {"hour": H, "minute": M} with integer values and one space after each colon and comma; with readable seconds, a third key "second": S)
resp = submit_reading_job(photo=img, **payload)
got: {"hour": 5, "minute": 49, "second": 11}
